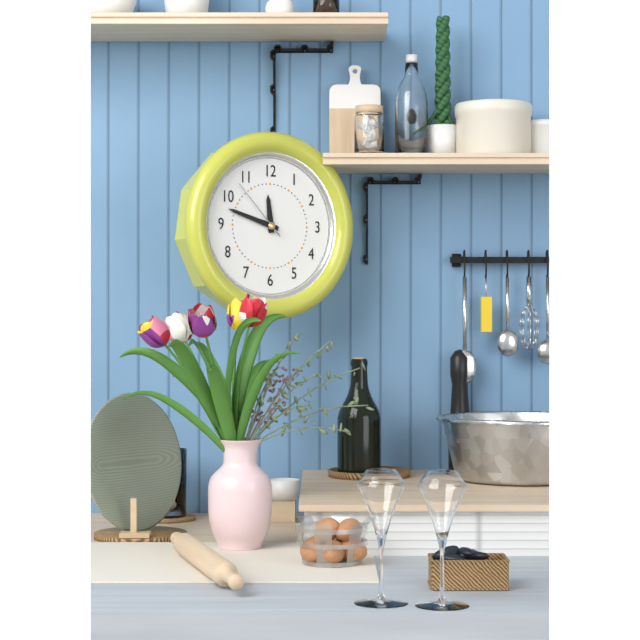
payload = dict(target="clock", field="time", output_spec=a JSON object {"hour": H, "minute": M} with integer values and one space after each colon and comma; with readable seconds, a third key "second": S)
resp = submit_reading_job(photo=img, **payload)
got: {"hour": 11, "minute": 48, "second": 53}
